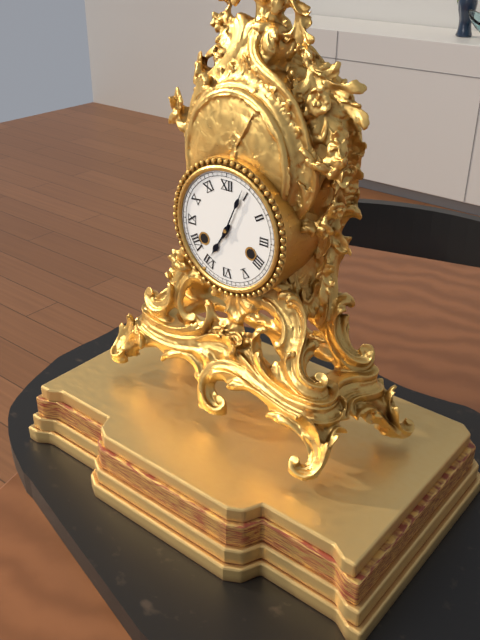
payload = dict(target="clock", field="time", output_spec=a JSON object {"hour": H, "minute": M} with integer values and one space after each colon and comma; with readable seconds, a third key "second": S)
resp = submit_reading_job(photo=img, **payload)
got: {"hour": 7, "minute": 4}
